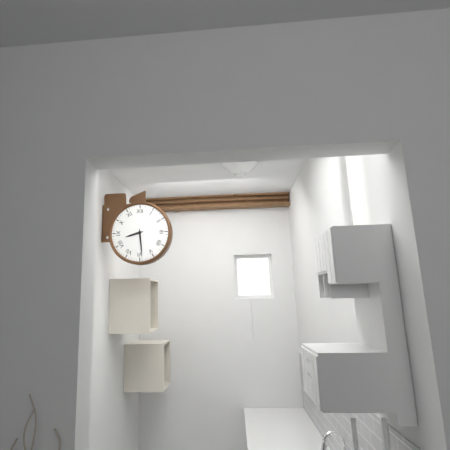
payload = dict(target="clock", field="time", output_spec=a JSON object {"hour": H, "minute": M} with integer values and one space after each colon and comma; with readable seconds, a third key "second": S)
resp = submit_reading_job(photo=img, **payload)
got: {"hour": 8, "minute": 29}
